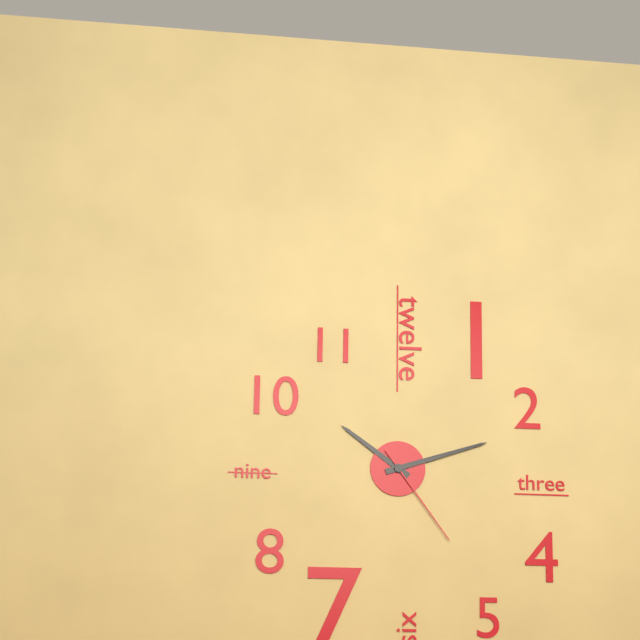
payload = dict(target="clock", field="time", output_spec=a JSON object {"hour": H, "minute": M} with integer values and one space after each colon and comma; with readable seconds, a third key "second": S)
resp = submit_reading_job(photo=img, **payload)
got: {"hour": 10, "minute": 12, "second": 24}
